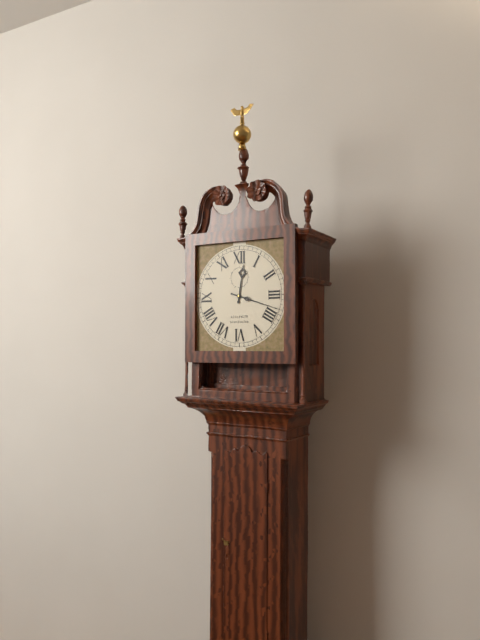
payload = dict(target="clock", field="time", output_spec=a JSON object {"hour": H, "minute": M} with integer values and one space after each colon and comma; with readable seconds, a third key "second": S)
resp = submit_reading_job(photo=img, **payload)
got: {"hour": 12, "minute": 18}
